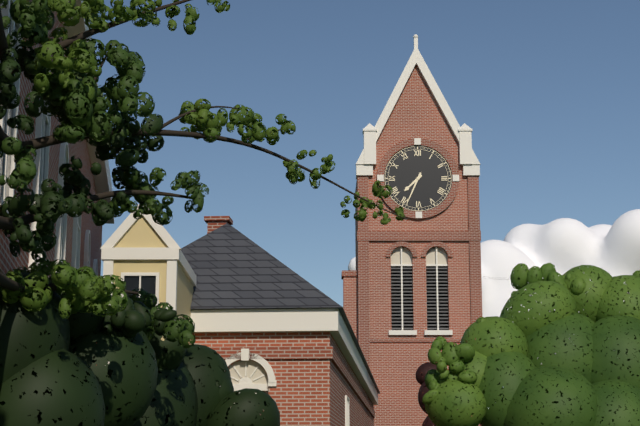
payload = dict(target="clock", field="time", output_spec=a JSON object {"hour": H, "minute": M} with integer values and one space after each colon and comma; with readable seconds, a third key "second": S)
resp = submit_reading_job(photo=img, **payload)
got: {"hour": 7, "minute": 34}
